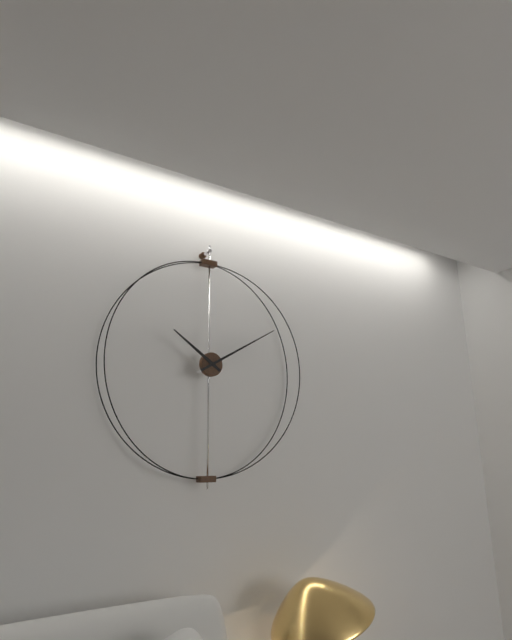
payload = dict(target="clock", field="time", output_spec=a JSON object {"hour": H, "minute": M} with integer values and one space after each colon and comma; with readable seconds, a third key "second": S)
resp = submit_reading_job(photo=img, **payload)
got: {"hour": 10, "minute": 10}
